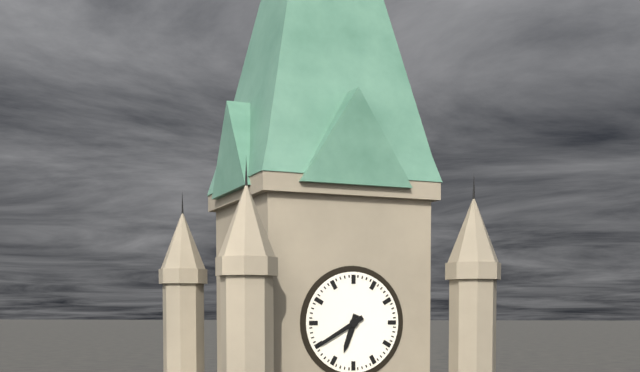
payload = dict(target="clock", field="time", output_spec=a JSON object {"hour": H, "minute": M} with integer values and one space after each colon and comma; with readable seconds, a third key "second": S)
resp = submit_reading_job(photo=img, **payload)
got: {"hour": 6, "minute": 40}
